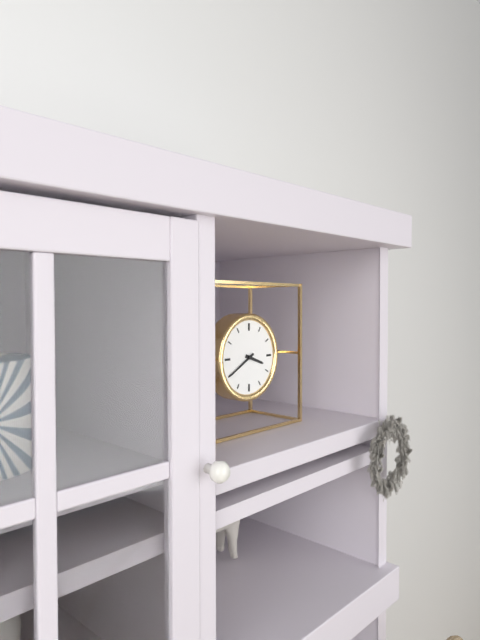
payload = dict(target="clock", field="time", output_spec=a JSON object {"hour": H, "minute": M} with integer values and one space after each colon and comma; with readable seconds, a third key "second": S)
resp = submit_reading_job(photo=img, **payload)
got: {"hour": 3, "minute": 40}
